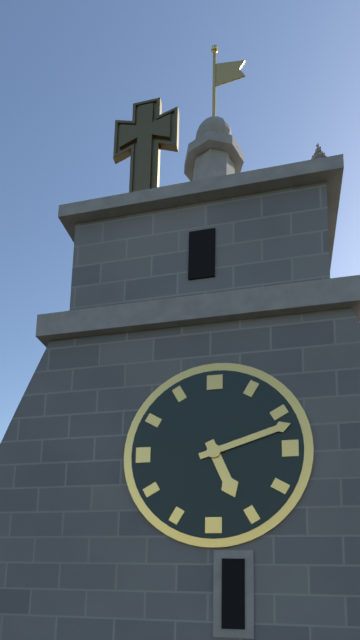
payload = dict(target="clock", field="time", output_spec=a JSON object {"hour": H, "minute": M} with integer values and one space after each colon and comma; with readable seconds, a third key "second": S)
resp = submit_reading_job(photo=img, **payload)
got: {"hour": 5, "minute": 12}
